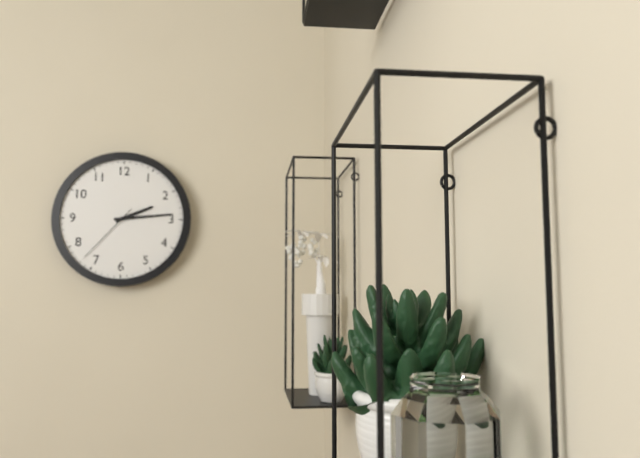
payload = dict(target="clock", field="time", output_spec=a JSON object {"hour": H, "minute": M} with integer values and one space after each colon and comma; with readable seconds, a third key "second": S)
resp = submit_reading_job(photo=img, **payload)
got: {"hour": 2, "minute": 14, "second": 37}
